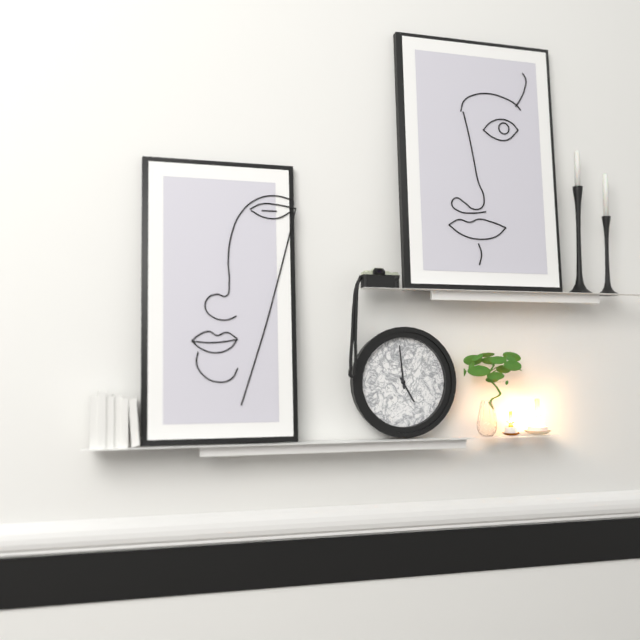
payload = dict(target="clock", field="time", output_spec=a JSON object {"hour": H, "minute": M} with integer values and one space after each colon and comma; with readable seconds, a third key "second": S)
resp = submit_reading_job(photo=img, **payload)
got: {"hour": 4, "minute": 59}
